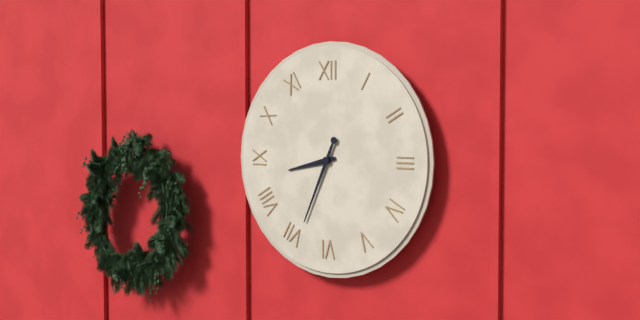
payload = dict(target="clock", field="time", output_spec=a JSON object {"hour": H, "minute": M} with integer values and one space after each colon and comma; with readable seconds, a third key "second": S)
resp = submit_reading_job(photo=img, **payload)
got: {"hour": 8, "minute": 34}
